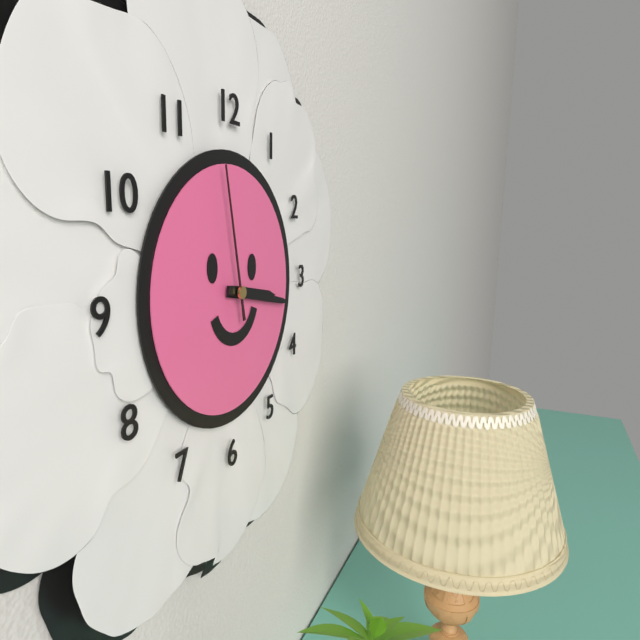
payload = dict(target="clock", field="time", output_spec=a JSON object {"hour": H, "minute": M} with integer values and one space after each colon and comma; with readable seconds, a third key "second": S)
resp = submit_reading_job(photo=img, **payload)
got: {"hour": 3, "minute": 17, "second": 58}
